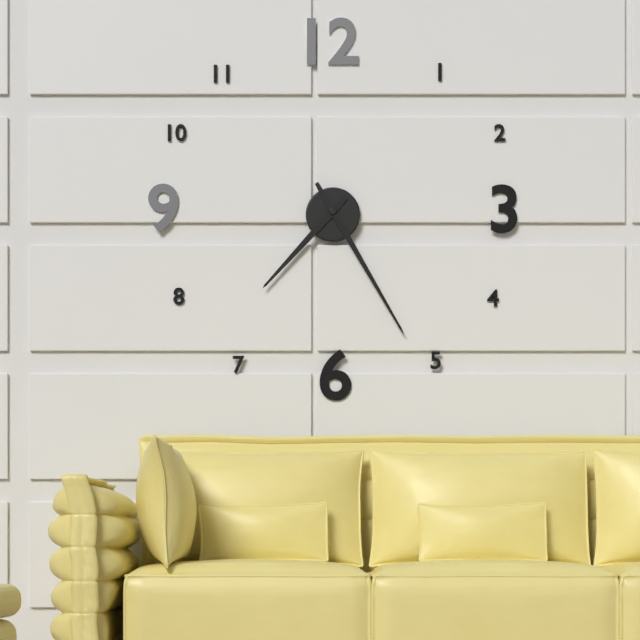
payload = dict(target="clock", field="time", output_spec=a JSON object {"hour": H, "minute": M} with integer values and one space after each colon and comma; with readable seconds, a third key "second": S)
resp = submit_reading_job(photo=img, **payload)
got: {"hour": 7, "minute": 25}
